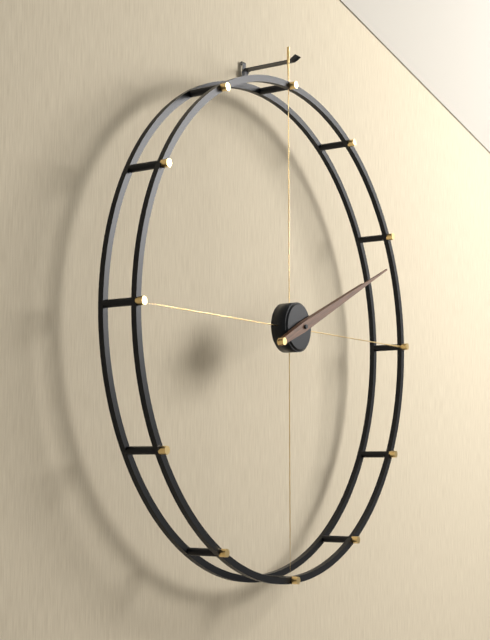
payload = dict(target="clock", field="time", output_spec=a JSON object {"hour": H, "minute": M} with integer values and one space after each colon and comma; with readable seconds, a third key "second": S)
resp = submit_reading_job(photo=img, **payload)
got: {"hour": 2, "minute": 11}
